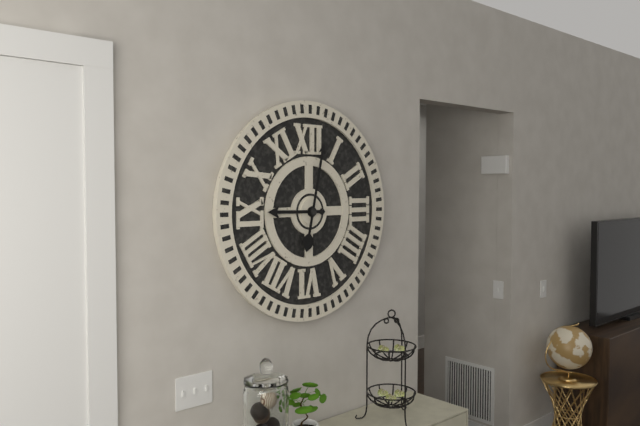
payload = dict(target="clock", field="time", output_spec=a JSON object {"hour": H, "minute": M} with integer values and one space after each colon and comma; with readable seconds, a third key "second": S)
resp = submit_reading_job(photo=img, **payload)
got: {"hour": 9, "minute": 2}
